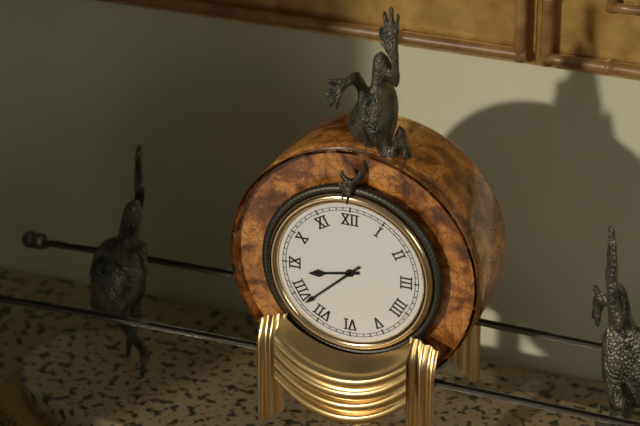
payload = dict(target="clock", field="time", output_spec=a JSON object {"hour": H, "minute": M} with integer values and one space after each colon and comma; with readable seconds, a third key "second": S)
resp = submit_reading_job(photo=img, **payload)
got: {"hour": 8, "minute": 38}
